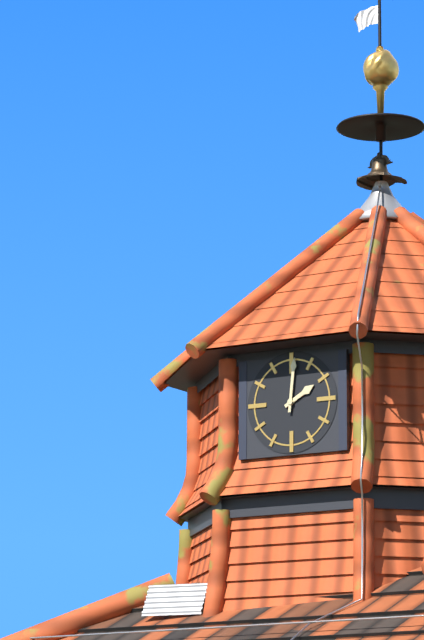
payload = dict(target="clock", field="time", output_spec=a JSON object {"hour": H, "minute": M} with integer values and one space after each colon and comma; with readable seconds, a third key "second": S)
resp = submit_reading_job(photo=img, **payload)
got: {"hour": 2, "minute": 1}
